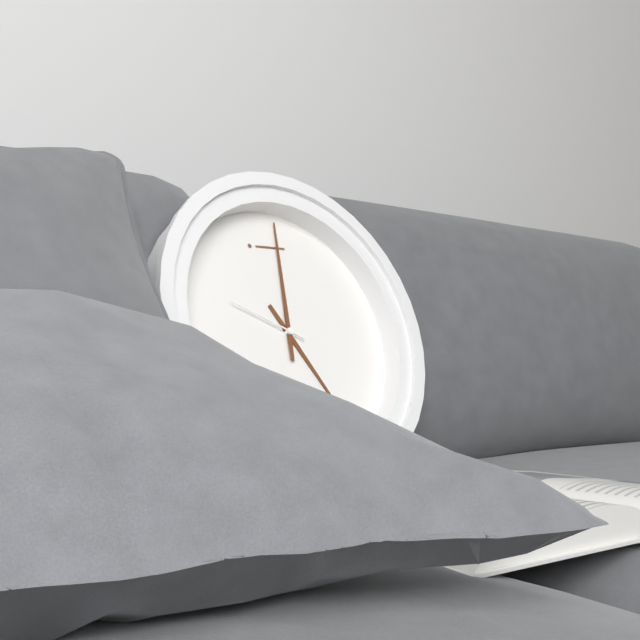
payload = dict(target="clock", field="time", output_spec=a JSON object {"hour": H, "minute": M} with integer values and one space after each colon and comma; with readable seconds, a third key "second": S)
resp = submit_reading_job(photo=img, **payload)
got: {"hour": 5, "minute": 1, "second": 49}
